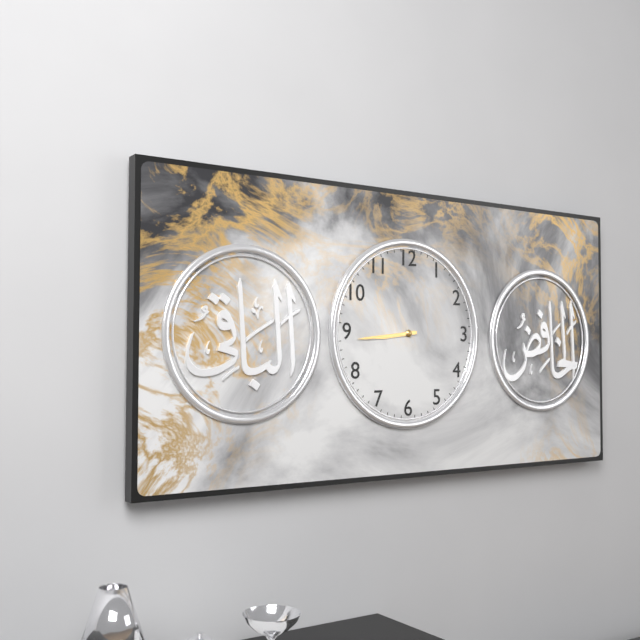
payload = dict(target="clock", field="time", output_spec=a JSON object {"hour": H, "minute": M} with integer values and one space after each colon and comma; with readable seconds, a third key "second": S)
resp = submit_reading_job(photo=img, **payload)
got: {"hour": 8, "minute": 44}
